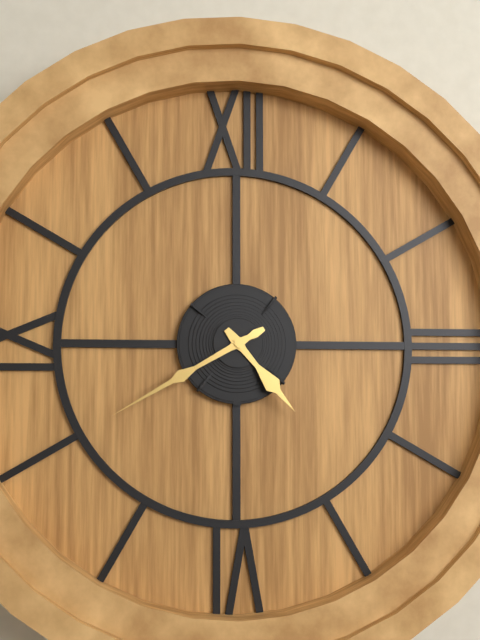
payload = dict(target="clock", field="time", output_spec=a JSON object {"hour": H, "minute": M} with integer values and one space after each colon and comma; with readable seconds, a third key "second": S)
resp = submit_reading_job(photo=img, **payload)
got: {"hour": 4, "minute": 40}
